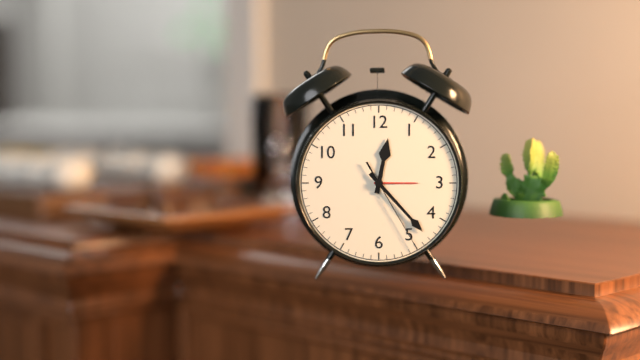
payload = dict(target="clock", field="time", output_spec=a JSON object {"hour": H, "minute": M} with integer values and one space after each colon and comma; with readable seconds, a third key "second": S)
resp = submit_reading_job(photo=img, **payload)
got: {"hour": 12, "minute": 23, "second": 25}
